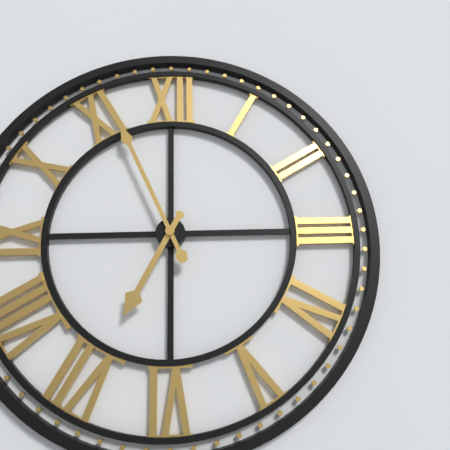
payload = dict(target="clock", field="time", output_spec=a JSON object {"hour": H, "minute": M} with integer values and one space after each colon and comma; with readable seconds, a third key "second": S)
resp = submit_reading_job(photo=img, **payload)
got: {"hour": 6, "minute": 56}
